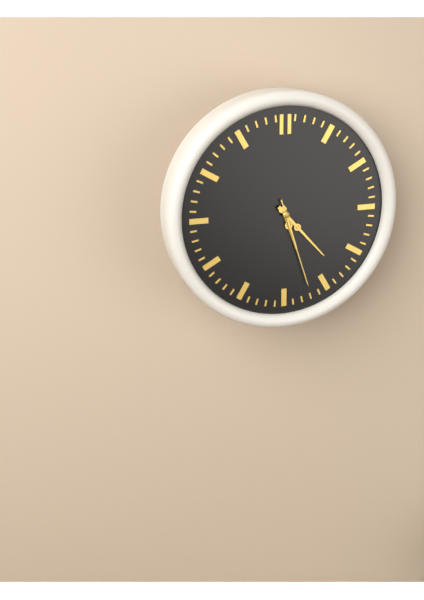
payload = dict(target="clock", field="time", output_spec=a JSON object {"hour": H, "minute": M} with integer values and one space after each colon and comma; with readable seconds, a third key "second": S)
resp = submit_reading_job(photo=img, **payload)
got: {"hour": 5, "minute": 23, "second": 27}
